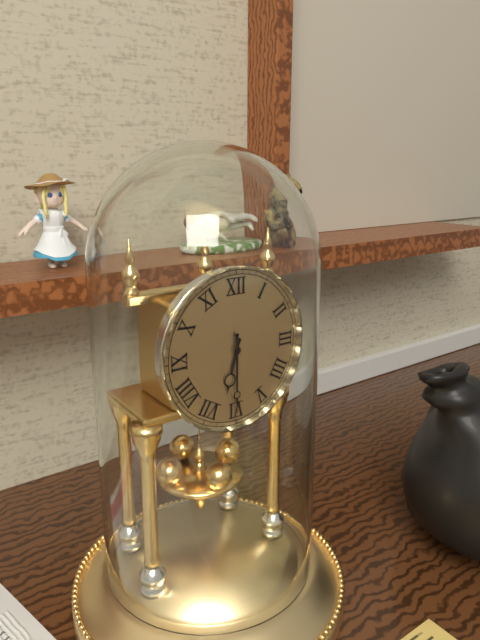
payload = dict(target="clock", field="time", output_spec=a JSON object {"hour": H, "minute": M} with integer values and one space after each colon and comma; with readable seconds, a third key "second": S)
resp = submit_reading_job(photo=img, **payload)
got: {"hour": 6, "minute": 30}
